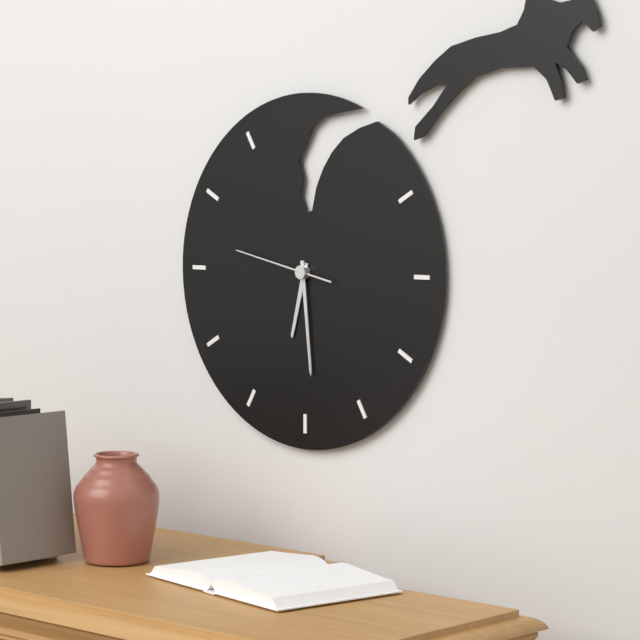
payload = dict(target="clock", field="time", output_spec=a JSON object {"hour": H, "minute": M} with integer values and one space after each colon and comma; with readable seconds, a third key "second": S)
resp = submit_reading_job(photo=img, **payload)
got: {"hour": 6, "minute": 29, "second": 47}
